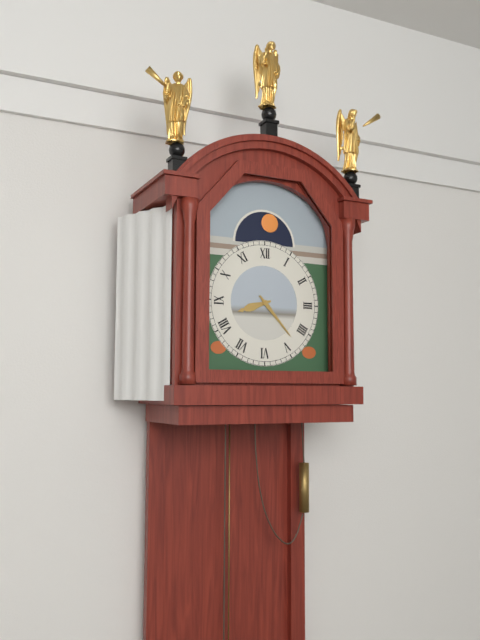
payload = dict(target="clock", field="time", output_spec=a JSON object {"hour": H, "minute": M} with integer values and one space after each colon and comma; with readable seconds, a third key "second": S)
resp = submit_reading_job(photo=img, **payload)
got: {"hour": 8, "minute": 23}
